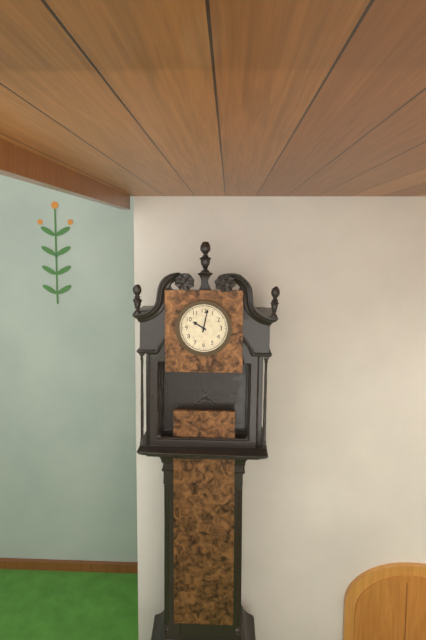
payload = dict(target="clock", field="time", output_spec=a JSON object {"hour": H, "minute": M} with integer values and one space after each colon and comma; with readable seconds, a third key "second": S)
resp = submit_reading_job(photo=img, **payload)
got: {"hour": 10, "minute": 2}
